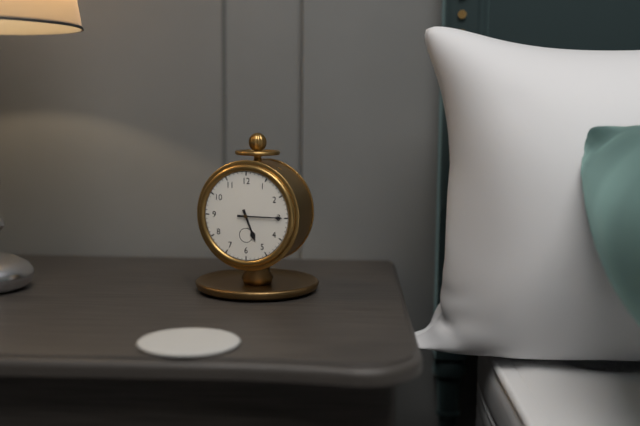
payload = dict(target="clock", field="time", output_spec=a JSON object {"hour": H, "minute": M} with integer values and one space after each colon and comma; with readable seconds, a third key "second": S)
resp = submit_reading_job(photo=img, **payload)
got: {"hour": 5, "minute": 15}
